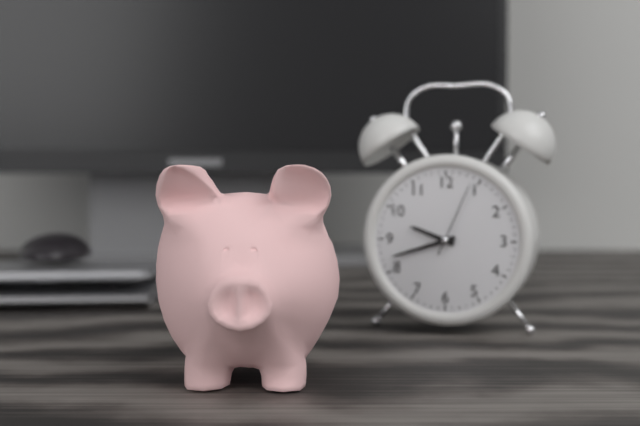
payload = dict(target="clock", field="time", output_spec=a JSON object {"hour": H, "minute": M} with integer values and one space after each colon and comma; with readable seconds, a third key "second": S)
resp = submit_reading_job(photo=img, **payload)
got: {"hour": 9, "minute": 42, "second": 4}
